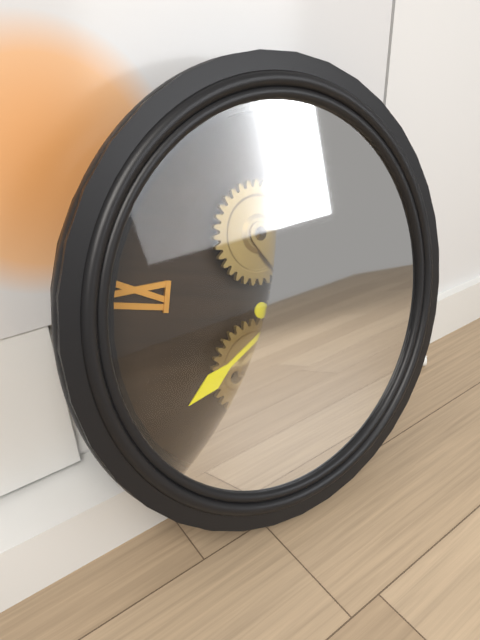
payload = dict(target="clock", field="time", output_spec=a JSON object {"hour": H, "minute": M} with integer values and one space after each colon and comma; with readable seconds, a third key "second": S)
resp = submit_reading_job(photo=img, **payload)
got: {"hour": 2, "minute": 38}
